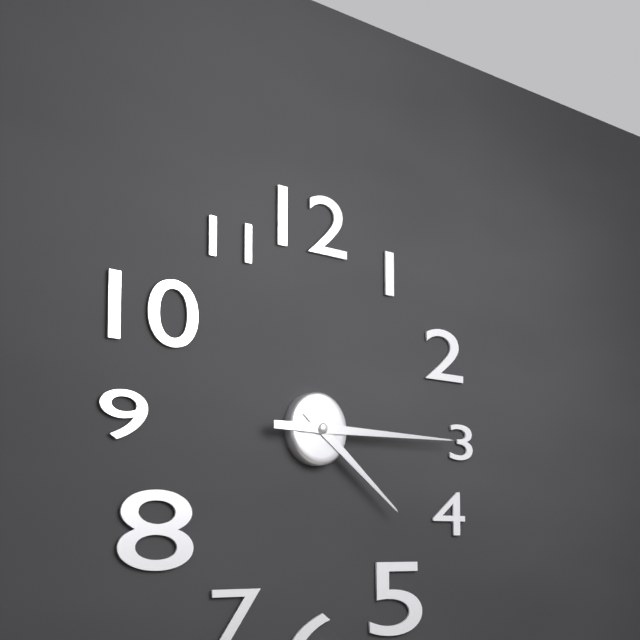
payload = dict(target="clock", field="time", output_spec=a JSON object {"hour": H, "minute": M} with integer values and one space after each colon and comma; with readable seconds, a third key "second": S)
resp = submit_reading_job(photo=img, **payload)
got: {"hour": 4, "minute": 15}
